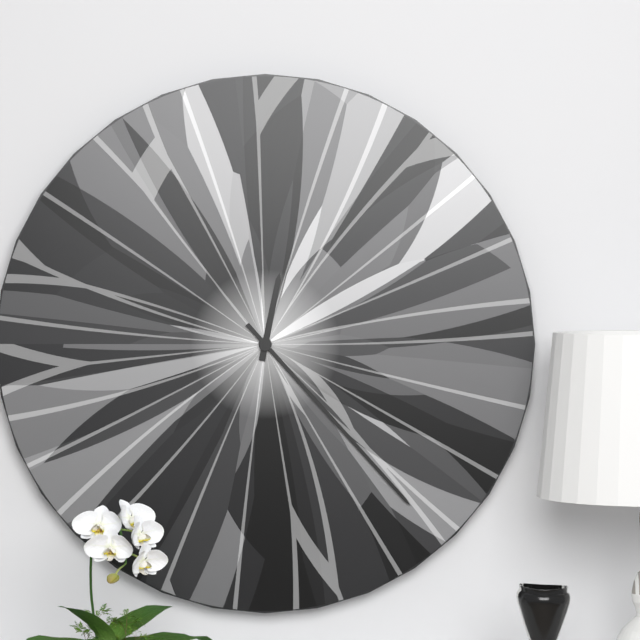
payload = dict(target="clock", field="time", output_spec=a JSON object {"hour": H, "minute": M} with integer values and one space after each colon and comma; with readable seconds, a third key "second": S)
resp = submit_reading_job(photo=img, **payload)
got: {"hour": 12, "minute": 23}
